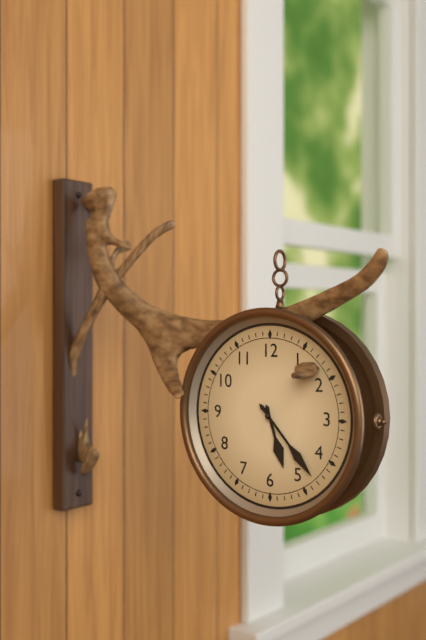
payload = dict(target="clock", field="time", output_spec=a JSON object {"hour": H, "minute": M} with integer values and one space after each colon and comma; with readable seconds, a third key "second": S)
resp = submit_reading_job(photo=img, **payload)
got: {"hour": 5, "minute": 23}
